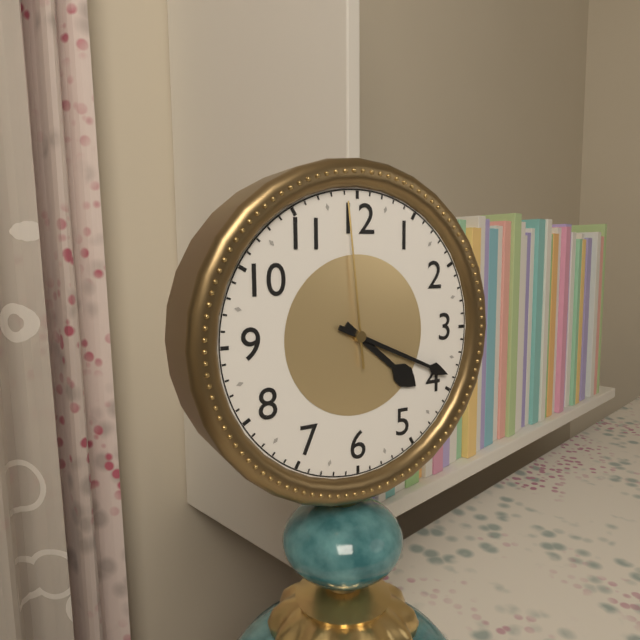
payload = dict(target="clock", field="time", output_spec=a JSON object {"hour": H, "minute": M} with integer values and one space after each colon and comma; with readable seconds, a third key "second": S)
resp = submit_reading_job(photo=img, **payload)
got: {"hour": 4, "minute": 19, "second": 59}
